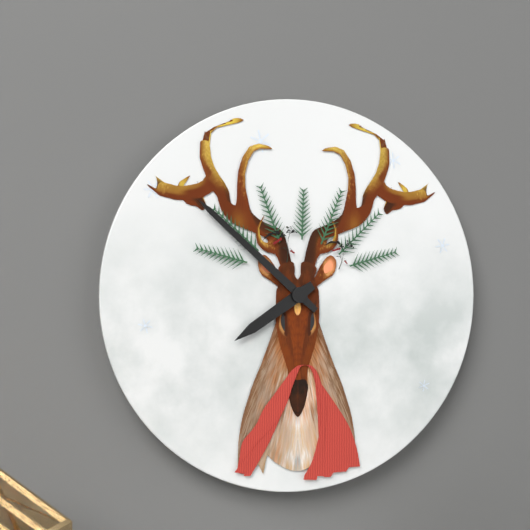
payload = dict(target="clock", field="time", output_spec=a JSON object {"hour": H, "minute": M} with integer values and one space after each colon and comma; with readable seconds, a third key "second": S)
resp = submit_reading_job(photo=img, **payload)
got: {"hour": 7, "minute": 52}
